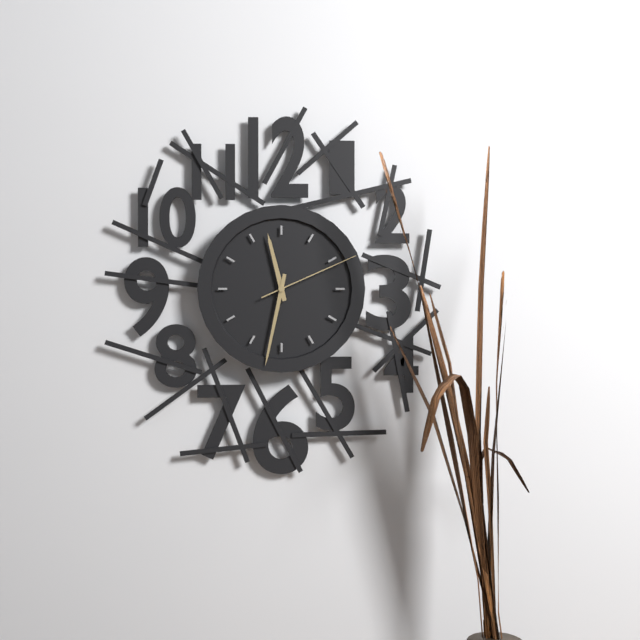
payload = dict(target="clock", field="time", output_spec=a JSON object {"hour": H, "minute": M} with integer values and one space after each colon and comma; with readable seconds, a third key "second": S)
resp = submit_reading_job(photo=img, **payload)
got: {"hour": 11, "minute": 32, "second": 11}
